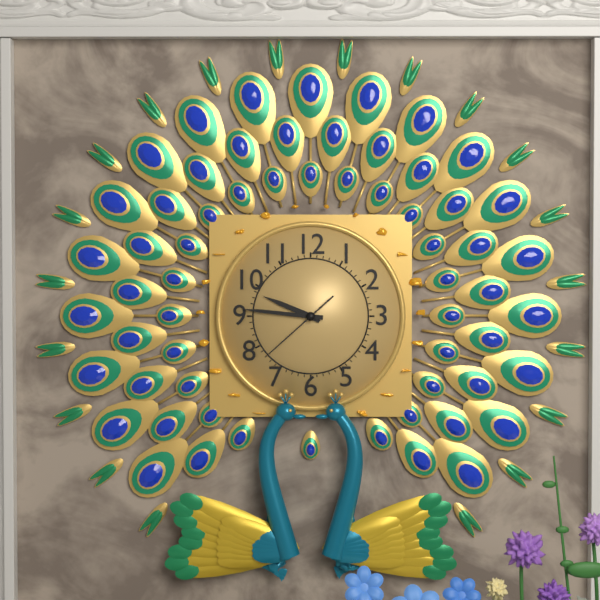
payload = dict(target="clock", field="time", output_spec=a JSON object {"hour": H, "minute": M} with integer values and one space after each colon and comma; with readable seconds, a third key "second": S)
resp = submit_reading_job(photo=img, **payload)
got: {"hour": 9, "minute": 46, "second": 38}
